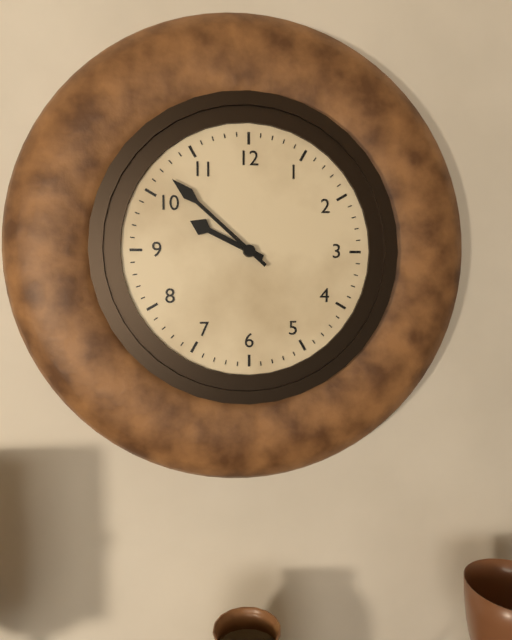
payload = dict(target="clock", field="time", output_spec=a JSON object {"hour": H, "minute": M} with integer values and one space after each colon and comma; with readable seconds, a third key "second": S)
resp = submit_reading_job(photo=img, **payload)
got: {"hour": 9, "minute": 52}
